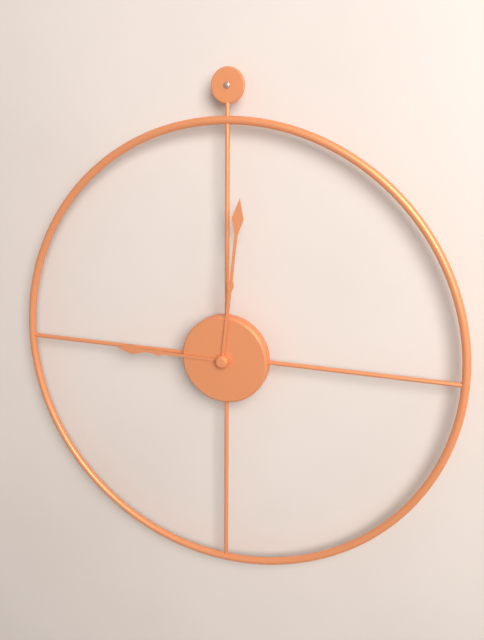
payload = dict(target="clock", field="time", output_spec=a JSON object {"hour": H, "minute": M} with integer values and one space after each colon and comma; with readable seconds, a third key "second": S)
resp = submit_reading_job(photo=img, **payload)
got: {"hour": 9, "minute": 1}
